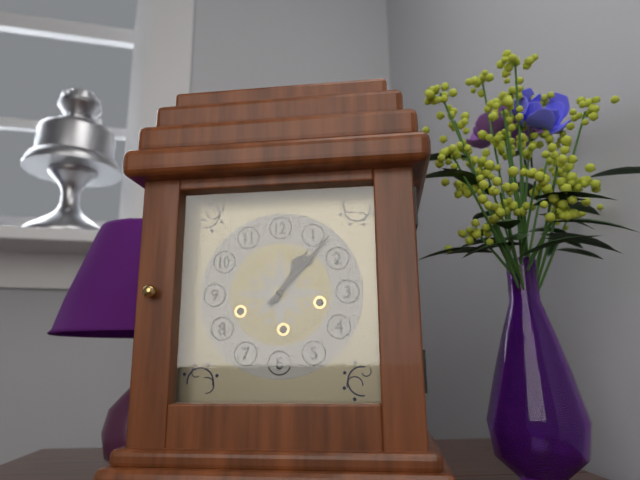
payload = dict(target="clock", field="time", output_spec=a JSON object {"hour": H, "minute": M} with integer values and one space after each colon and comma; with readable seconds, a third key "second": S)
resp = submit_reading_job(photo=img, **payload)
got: {"hour": 1, "minute": 7}
